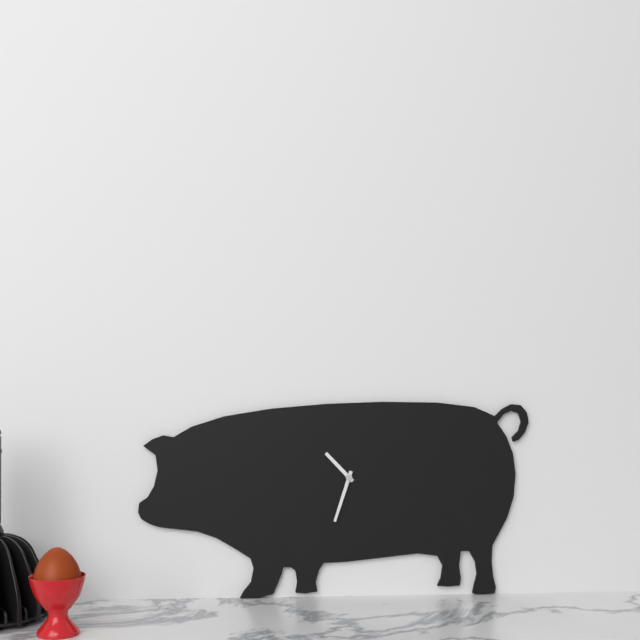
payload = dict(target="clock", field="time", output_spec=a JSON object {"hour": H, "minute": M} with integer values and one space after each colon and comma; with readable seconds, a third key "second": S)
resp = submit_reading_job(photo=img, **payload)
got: {"hour": 10, "minute": 33}
